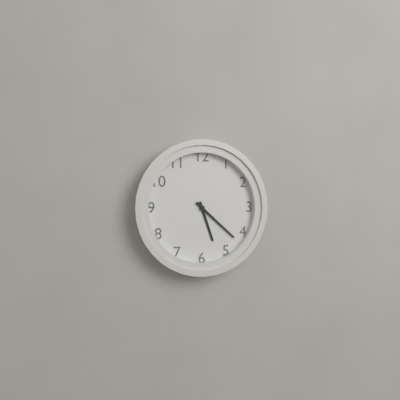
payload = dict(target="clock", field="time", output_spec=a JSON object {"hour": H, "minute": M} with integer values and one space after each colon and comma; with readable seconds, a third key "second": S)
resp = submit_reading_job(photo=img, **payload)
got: {"hour": 5, "minute": 22}
